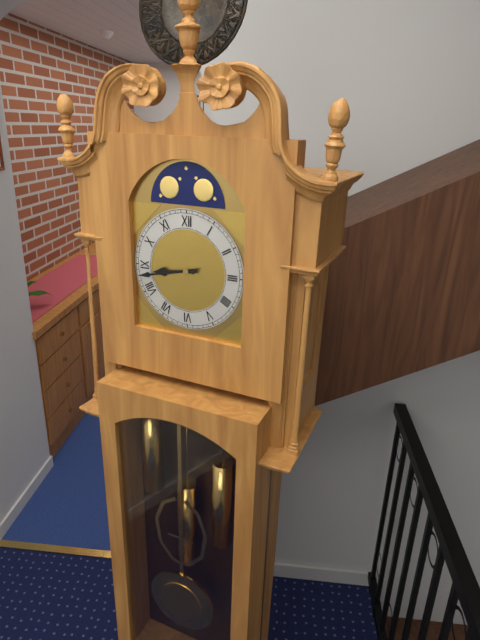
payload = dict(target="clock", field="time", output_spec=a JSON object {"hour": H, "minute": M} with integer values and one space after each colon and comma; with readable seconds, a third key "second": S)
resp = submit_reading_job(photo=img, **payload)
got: {"hour": 8, "minute": 43}
